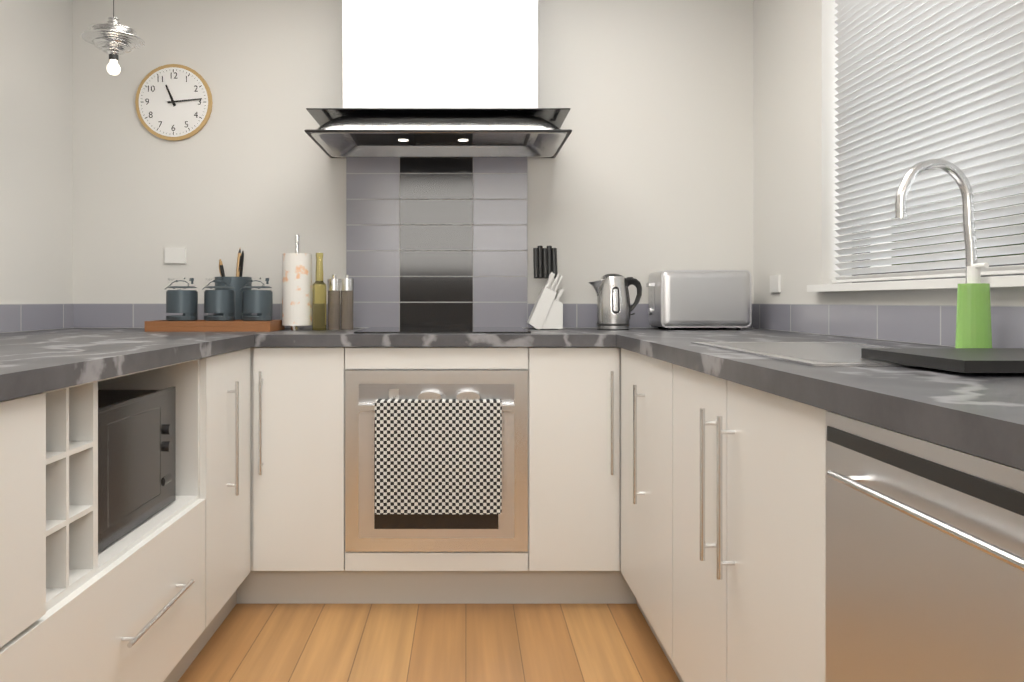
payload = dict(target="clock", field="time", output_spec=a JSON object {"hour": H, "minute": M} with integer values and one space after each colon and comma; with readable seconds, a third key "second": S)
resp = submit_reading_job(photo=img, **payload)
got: {"hour": 11, "minute": 14}
